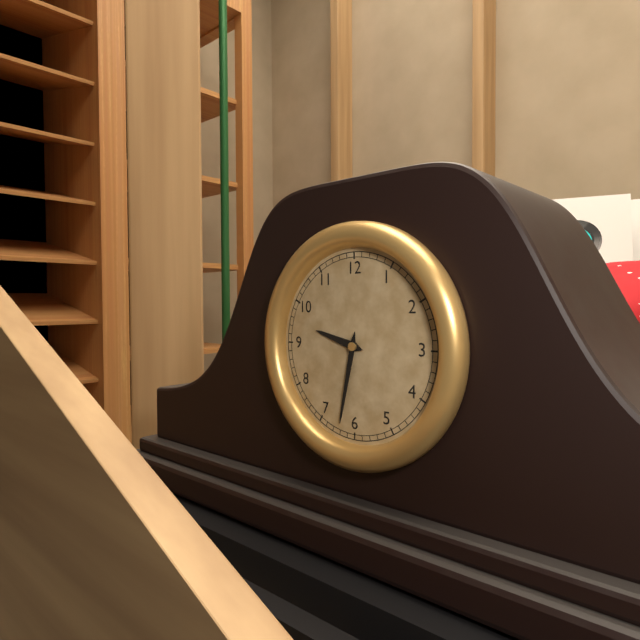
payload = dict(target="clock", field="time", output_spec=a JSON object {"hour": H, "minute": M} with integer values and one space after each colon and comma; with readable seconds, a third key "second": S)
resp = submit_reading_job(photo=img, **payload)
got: {"hour": 9, "minute": 32}
